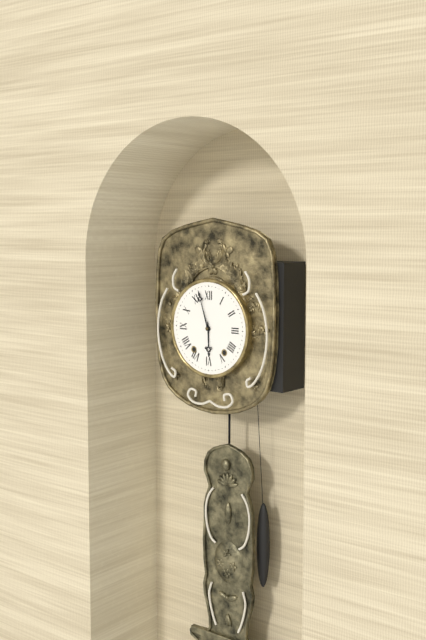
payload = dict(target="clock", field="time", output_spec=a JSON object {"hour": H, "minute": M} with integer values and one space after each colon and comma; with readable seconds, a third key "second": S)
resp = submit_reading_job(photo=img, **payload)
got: {"hour": 5, "minute": 57}
